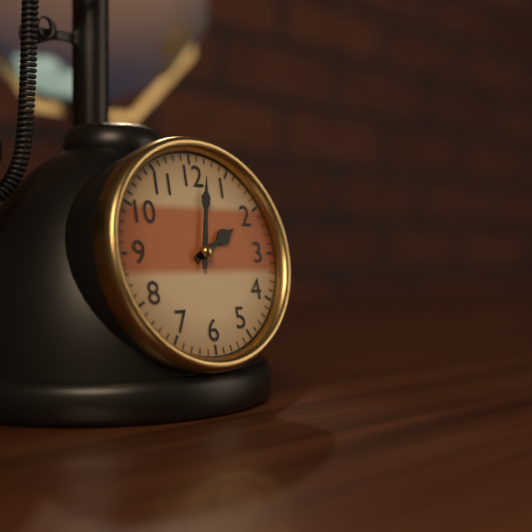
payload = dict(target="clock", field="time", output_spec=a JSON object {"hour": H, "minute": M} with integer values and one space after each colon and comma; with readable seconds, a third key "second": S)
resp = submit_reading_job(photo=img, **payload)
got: {"hour": 2, "minute": 2}
